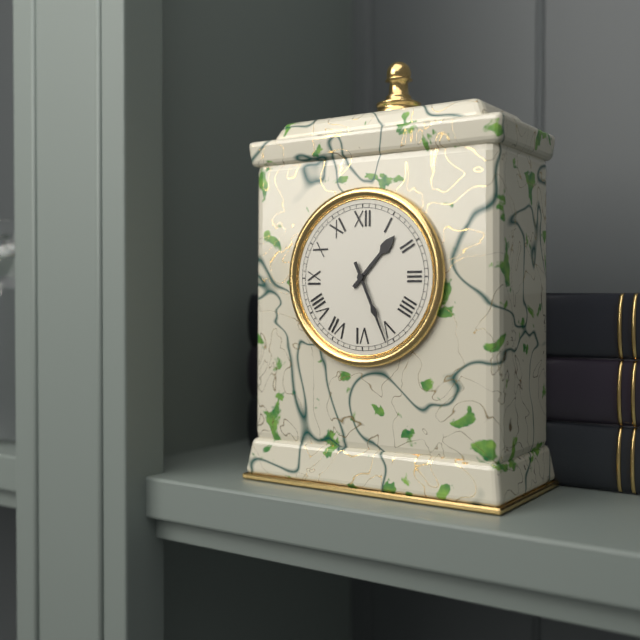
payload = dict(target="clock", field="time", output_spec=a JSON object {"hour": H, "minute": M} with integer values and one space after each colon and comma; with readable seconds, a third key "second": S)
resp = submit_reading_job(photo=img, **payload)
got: {"hour": 1, "minute": 26}
